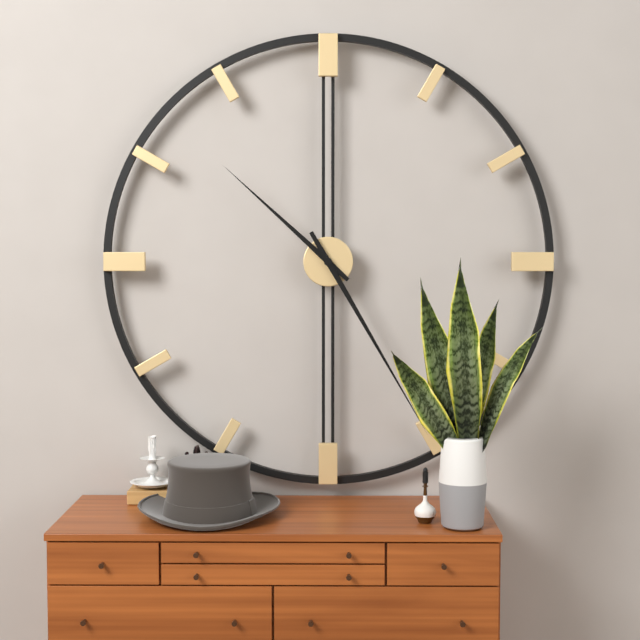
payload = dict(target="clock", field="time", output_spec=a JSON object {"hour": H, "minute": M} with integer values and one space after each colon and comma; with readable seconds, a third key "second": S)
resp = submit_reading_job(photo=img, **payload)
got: {"hour": 10, "minute": 25}
